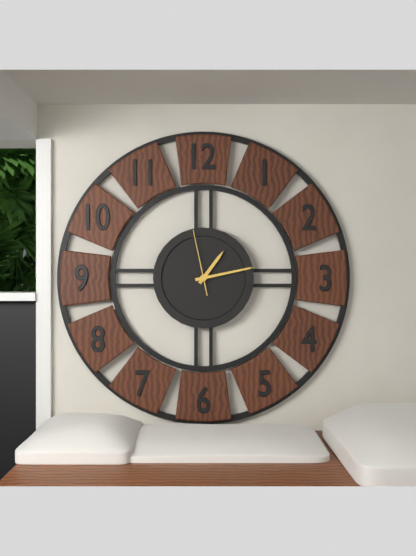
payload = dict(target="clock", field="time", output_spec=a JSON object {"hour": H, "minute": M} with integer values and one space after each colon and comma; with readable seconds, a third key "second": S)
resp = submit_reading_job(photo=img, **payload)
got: {"hour": 1, "minute": 13, "second": 58}
